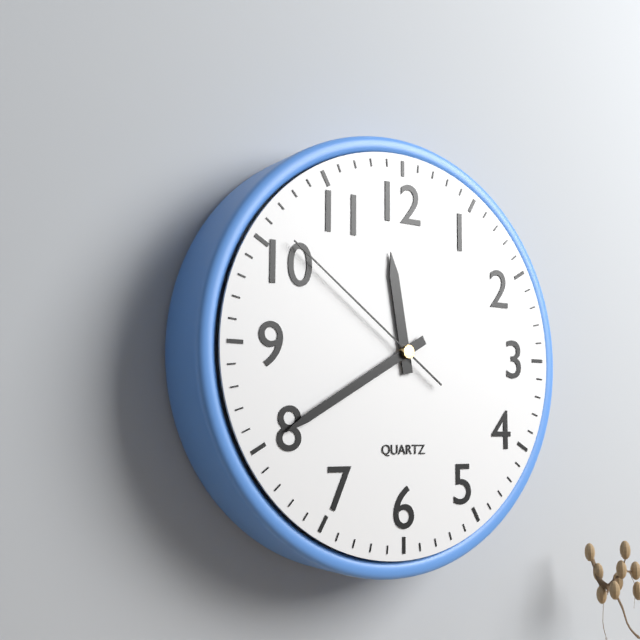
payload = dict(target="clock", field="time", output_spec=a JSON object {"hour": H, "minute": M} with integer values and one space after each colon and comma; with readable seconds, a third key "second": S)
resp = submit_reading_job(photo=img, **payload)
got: {"hour": 11, "minute": 40, "second": 51}
